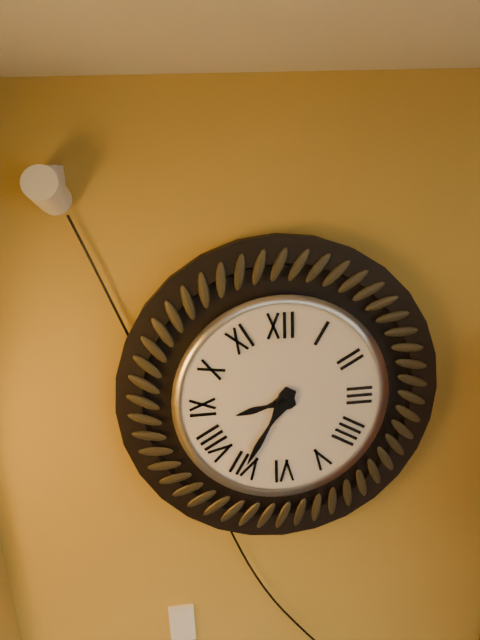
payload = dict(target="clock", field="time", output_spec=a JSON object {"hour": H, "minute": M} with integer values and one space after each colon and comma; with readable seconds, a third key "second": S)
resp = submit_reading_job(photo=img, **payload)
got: {"hour": 8, "minute": 35}
